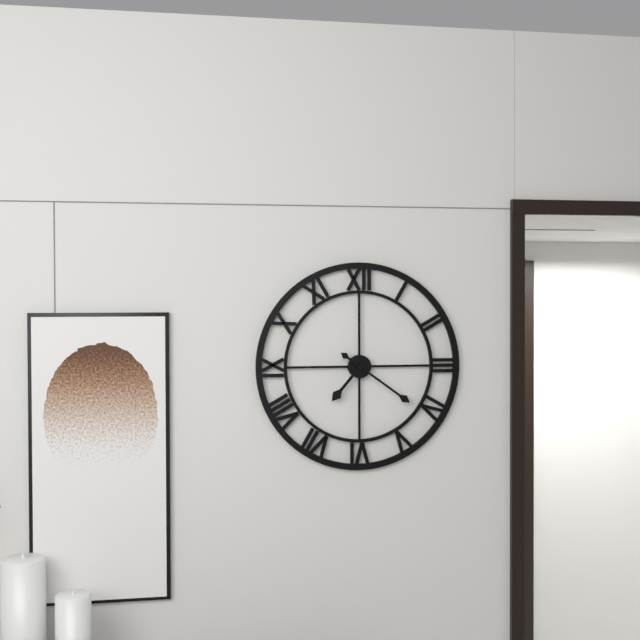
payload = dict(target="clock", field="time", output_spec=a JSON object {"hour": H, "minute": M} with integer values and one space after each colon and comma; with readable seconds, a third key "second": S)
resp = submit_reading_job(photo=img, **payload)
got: {"hour": 7, "minute": 21}
